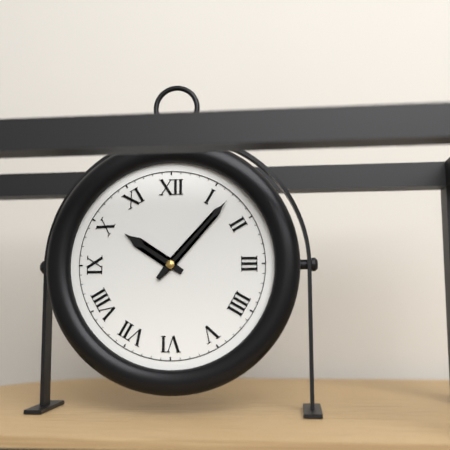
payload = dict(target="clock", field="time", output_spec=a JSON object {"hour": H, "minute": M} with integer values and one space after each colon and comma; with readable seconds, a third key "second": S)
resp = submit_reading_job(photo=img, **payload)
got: {"hour": 10, "minute": 7}
